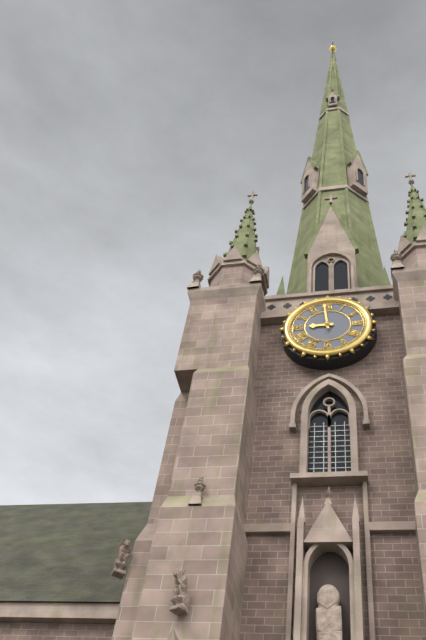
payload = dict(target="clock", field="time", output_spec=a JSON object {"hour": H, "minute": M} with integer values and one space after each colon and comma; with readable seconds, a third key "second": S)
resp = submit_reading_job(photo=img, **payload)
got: {"hour": 8, "minute": 59}
